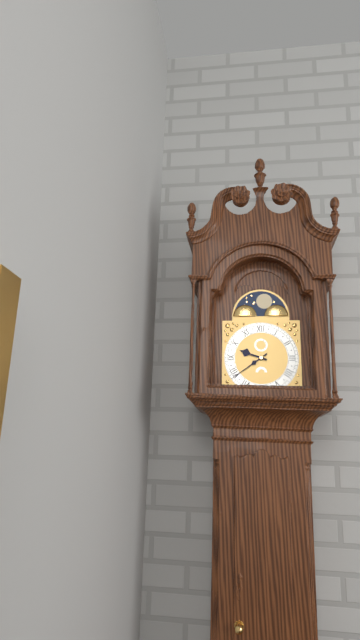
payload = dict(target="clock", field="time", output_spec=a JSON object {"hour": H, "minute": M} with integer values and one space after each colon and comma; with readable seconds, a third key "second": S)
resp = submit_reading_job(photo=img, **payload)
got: {"hour": 9, "minute": 39}
